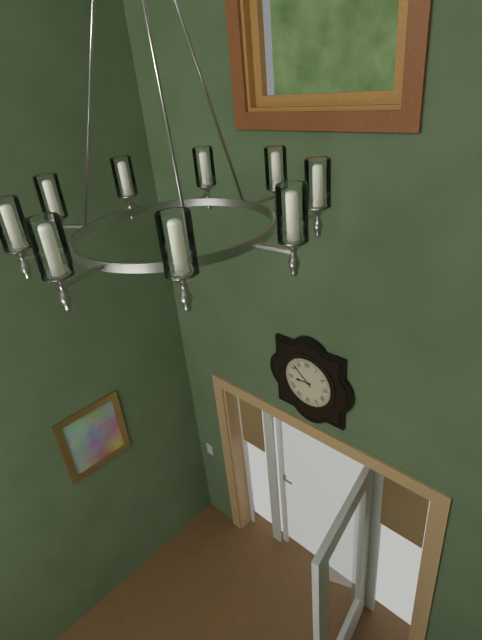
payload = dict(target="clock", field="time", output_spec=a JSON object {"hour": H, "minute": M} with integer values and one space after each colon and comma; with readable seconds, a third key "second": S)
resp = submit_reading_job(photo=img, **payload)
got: {"hour": 8, "minute": 52}
